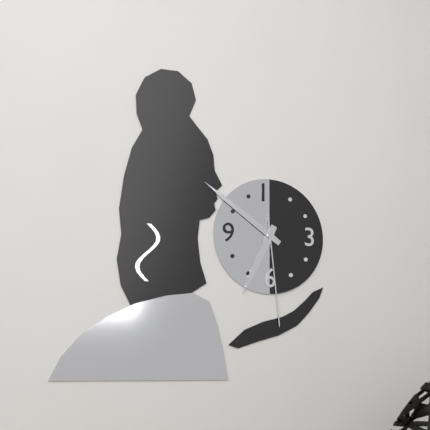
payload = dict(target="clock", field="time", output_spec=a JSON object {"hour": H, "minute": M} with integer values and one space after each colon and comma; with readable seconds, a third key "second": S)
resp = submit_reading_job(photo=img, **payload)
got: {"hour": 6, "minute": 51, "second": 29}
